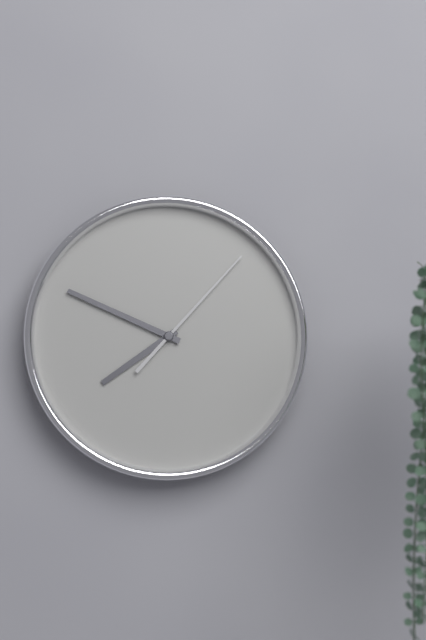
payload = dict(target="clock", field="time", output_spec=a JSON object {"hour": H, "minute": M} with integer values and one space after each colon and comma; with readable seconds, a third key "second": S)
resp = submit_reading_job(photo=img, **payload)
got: {"hour": 7, "minute": 49, "second": 7}
